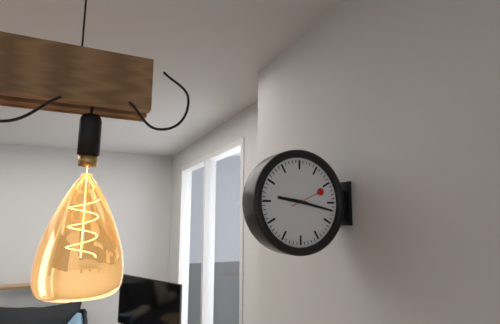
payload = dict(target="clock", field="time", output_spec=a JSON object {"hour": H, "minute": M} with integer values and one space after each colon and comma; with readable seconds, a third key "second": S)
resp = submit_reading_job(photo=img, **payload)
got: {"hour": 9, "minute": 17}
